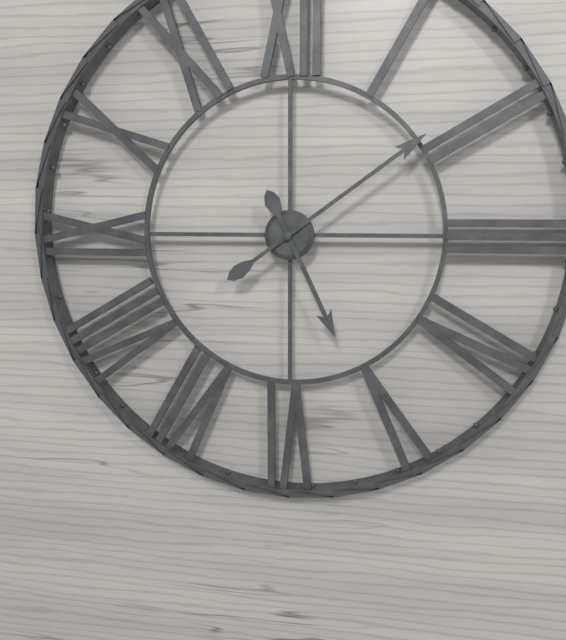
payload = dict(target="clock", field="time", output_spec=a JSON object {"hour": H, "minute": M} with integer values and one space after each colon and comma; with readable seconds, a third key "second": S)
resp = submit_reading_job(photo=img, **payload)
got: {"hour": 5, "minute": 9}
